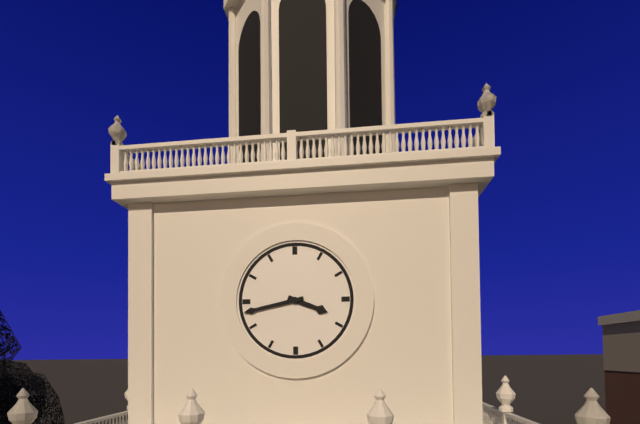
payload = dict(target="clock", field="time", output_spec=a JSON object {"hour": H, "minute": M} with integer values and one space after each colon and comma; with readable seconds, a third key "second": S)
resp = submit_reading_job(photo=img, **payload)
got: {"hour": 3, "minute": 43}
